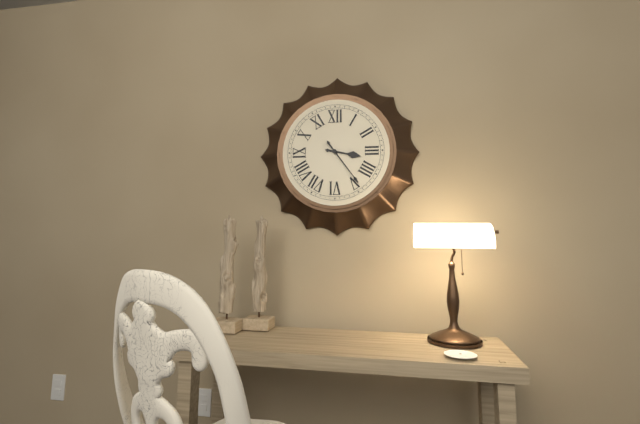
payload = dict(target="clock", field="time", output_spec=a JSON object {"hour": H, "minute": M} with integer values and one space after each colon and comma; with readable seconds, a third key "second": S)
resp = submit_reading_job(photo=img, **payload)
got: {"hour": 3, "minute": 24}
